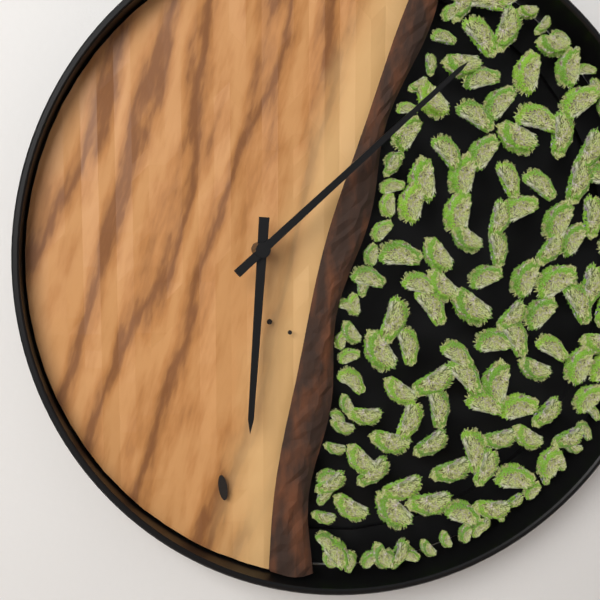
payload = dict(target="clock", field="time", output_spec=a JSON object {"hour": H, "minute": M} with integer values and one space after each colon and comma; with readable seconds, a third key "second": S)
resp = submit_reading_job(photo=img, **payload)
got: {"hour": 6, "minute": 8}
